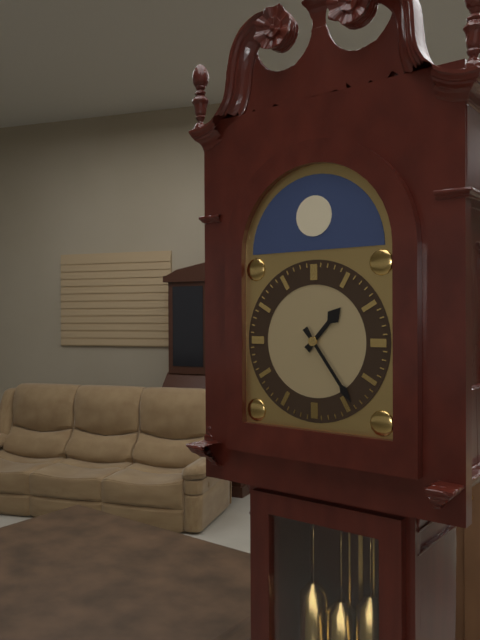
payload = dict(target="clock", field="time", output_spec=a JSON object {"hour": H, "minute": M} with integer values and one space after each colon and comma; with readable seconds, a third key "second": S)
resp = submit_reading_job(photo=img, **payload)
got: {"hour": 1, "minute": 24}
